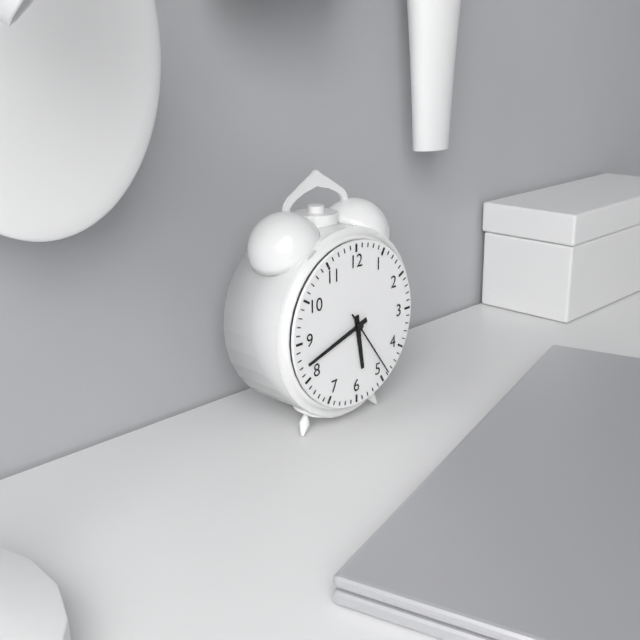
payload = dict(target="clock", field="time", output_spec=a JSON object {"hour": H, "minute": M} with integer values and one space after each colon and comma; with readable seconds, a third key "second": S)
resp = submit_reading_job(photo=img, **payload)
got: {"hour": 5, "minute": 42, "second": 24}
